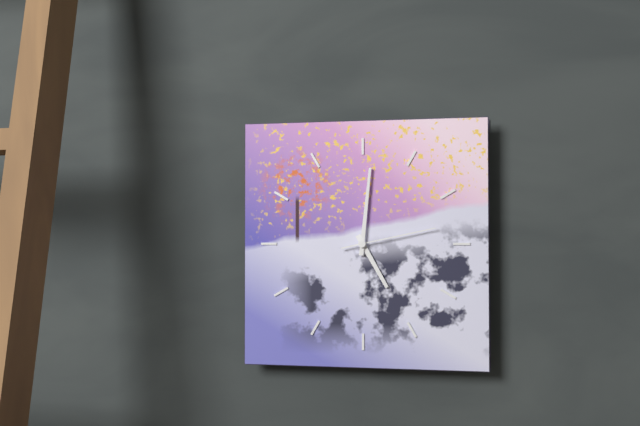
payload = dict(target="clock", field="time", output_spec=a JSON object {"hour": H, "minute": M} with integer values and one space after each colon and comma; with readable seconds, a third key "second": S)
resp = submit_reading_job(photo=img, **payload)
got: {"hour": 5, "minute": 1, "second": 13}
